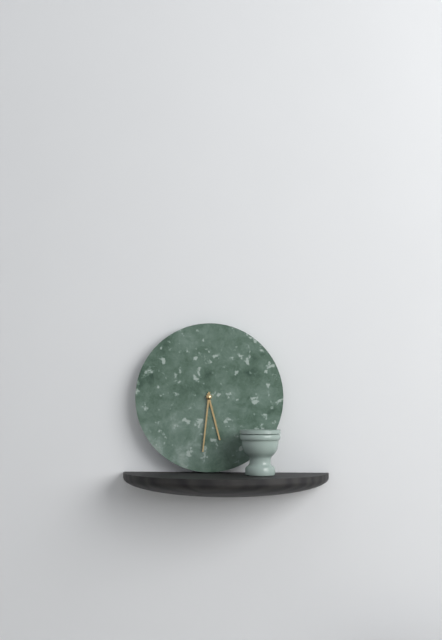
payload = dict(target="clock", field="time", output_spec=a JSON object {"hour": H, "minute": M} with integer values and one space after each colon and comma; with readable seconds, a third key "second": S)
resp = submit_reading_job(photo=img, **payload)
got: {"hour": 5, "minute": 31}
